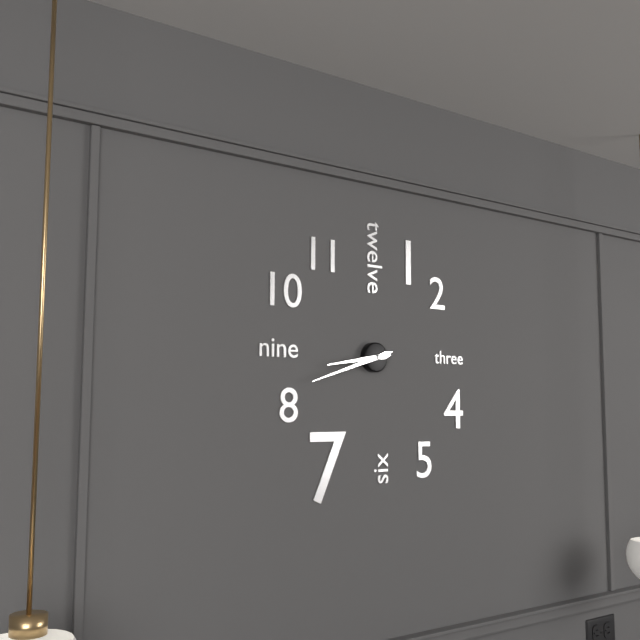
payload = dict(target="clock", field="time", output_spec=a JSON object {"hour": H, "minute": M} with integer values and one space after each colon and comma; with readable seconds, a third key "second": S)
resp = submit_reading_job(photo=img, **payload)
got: {"hour": 8, "minute": 42}
